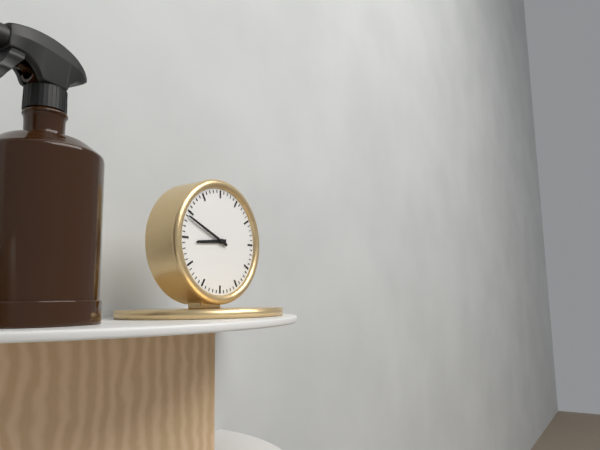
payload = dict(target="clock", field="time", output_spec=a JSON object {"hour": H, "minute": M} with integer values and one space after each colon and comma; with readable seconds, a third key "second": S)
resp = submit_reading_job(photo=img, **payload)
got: {"hour": 8, "minute": 49}
